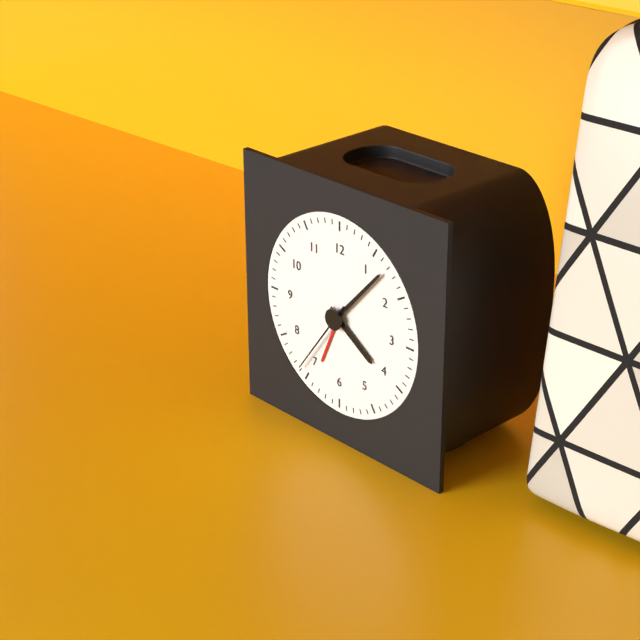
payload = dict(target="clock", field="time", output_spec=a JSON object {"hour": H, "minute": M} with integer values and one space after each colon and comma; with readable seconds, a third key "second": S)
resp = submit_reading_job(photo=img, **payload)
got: {"hour": 4, "minute": 7, "second": 36}
